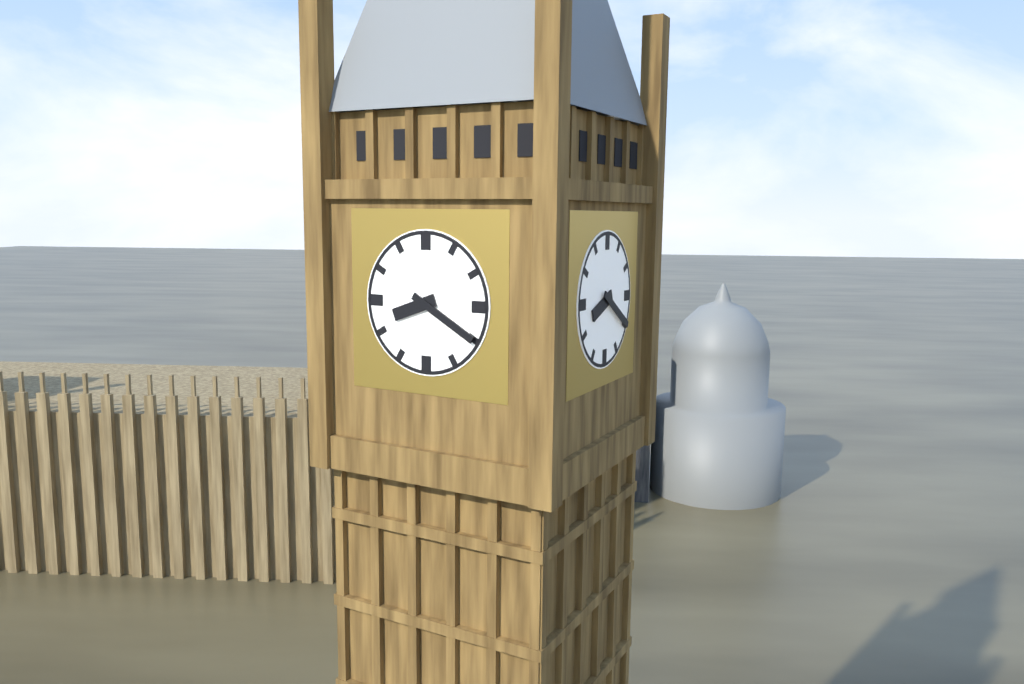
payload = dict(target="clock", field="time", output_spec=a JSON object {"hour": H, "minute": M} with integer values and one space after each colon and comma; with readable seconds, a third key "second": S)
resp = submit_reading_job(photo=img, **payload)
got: {"hour": 8, "minute": 20}
